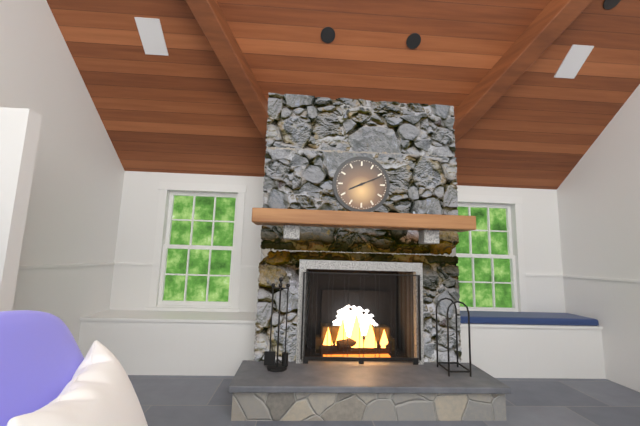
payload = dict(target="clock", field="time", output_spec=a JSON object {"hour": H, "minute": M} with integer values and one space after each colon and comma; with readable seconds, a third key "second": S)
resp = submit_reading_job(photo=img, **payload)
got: {"hour": 8, "minute": 11}
